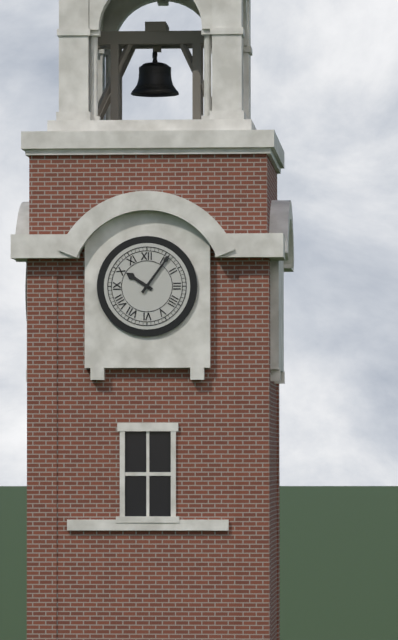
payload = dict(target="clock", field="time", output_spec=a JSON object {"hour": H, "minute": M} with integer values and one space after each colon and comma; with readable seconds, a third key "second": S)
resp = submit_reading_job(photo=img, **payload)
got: {"hour": 10, "minute": 6}
